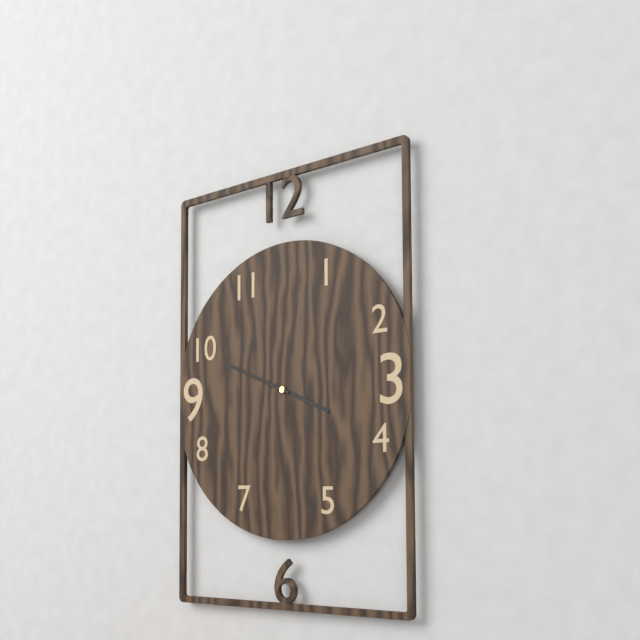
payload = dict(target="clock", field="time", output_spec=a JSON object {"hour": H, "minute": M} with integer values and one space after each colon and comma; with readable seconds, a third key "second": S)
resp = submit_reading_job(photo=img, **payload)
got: {"hour": 3, "minute": 49}
